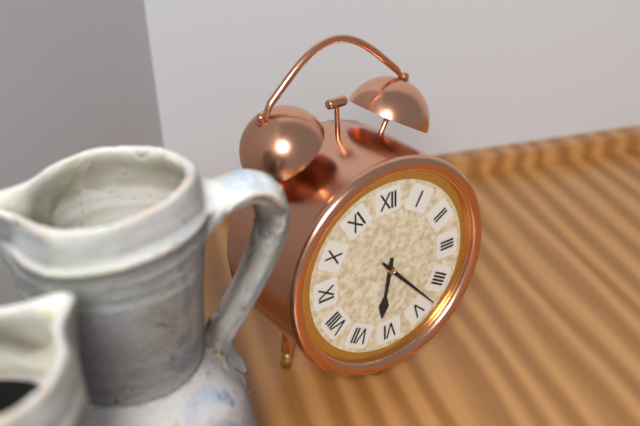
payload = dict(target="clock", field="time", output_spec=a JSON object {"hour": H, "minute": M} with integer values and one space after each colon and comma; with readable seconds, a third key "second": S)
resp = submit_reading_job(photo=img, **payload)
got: {"hour": 6, "minute": 23}
